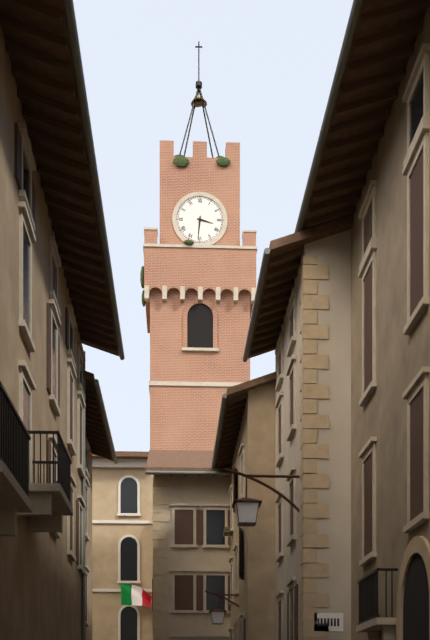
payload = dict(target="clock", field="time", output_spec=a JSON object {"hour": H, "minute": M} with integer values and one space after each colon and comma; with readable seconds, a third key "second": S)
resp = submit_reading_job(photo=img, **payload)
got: {"hour": 3, "minute": 31}
